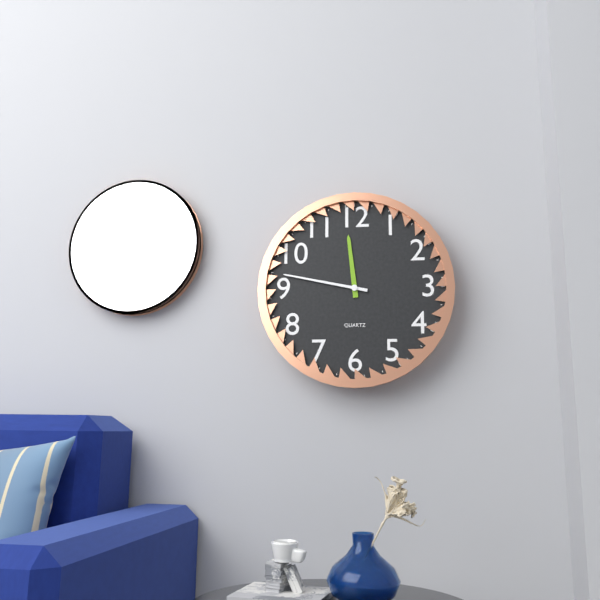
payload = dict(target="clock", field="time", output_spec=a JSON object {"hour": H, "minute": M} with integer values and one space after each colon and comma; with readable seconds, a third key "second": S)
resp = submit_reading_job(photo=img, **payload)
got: {"hour": 11, "minute": 47}
